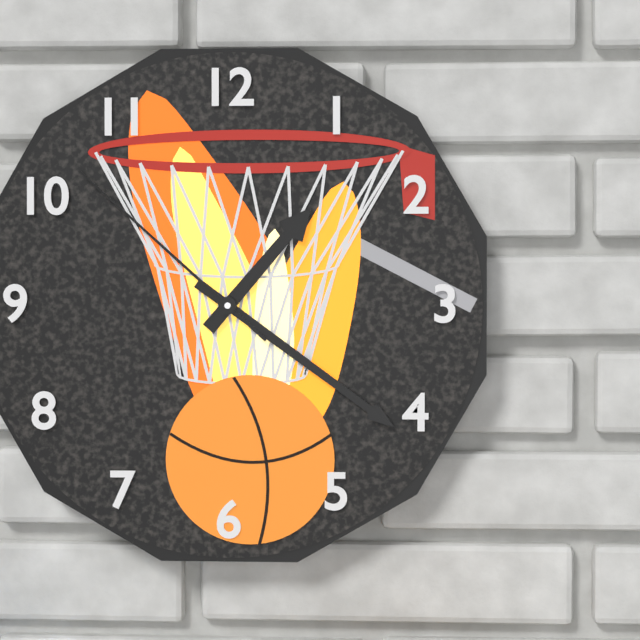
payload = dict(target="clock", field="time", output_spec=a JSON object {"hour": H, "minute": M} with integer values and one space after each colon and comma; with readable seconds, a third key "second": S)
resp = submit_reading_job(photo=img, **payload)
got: {"hour": 1, "minute": 21, "second": 52}
